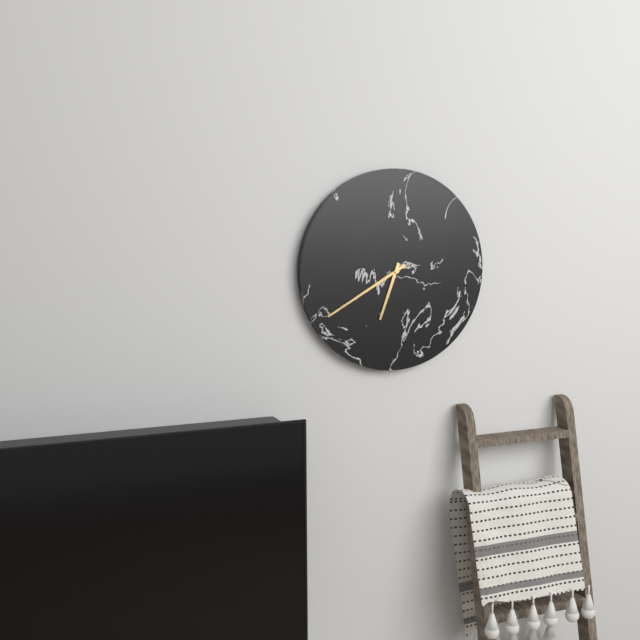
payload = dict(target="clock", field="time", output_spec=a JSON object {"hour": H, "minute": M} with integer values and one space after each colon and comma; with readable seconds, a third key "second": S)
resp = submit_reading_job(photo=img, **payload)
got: {"hour": 6, "minute": 40}
